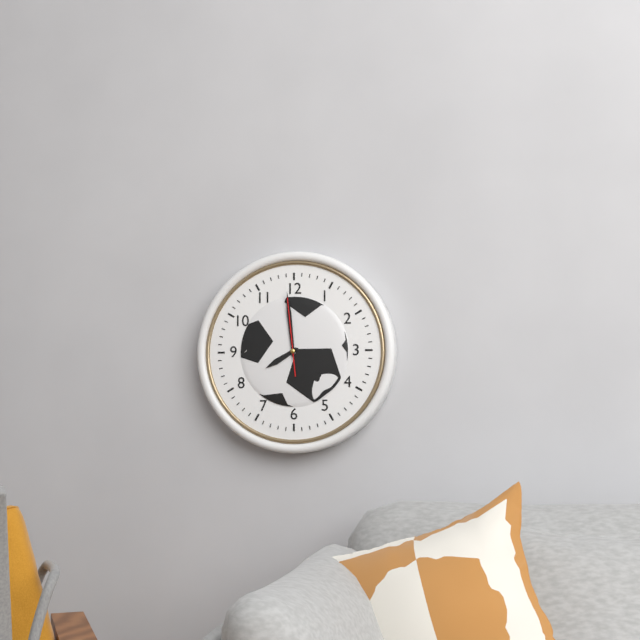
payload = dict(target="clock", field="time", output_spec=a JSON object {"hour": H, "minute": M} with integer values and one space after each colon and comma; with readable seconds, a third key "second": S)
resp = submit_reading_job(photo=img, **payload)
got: {"hour": 7, "minute": 59, "second": 59}
